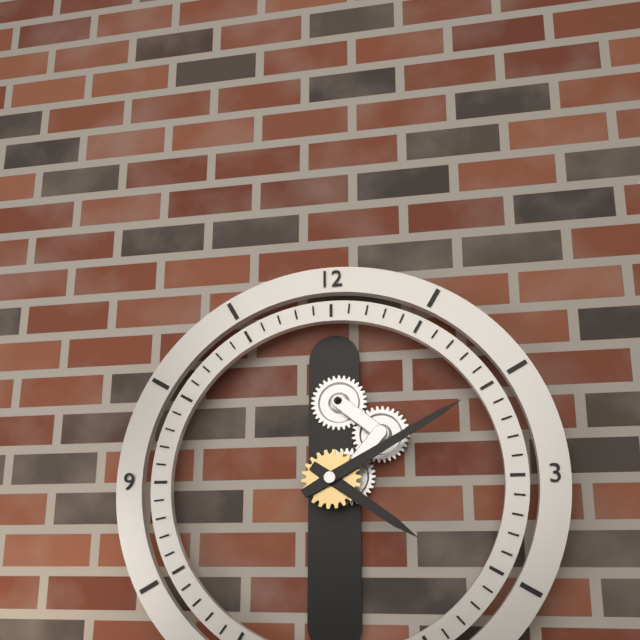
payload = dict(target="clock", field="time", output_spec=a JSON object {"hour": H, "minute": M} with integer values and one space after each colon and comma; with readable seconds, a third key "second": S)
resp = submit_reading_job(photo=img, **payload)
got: {"hour": 4, "minute": 10}
